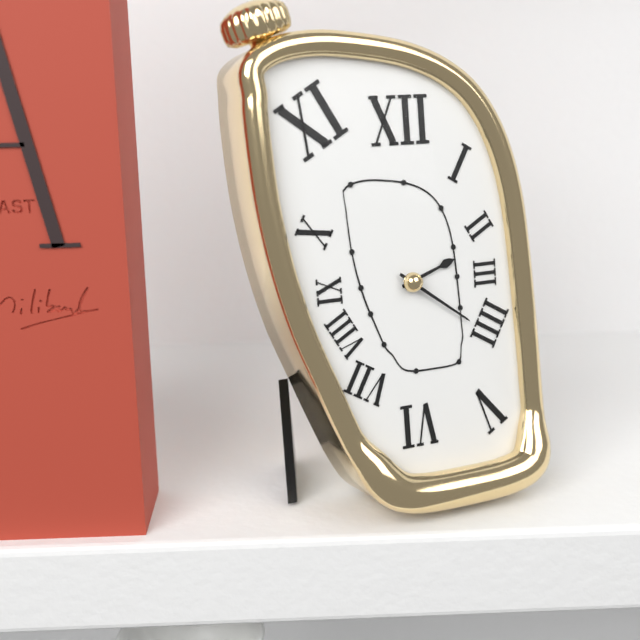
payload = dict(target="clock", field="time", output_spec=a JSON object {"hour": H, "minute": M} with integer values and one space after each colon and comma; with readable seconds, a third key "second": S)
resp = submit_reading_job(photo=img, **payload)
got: {"hour": 2, "minute": 21}
